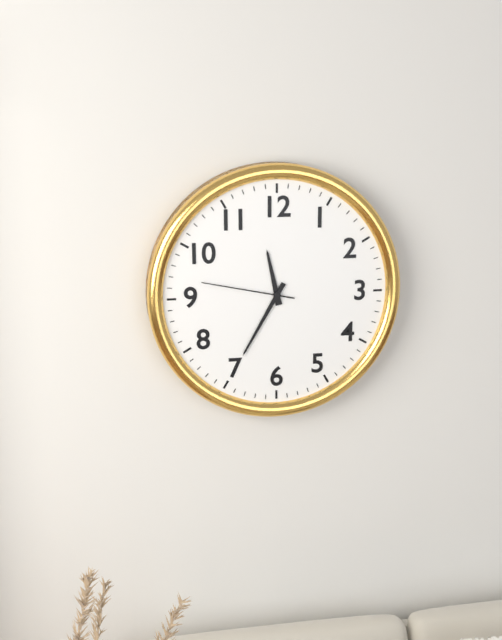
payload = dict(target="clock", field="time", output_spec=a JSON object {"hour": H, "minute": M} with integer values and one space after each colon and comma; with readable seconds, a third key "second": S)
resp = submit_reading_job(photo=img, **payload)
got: {"hour": 11, "minute": 35, "second": 47}
